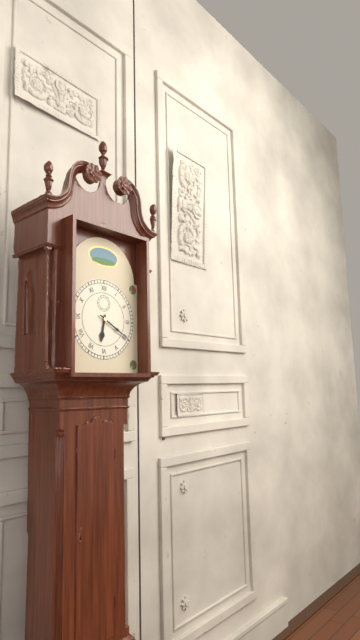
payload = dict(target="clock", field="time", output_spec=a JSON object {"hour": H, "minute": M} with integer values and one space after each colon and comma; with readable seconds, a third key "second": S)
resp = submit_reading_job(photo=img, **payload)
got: {"hour": 6, "minute": 20}
